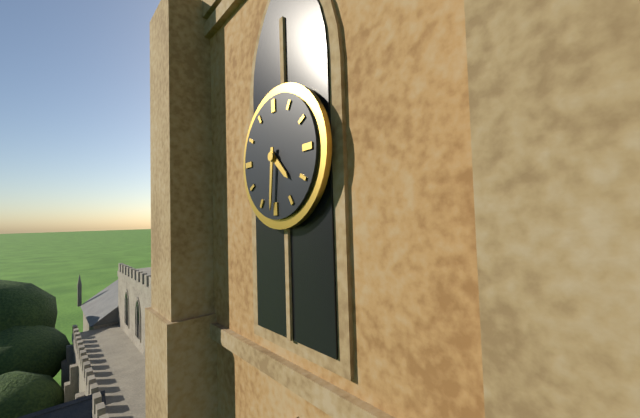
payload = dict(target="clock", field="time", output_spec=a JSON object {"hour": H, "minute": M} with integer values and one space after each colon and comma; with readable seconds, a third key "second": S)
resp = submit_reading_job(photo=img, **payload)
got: {"hour": 4, "minute": 31}
